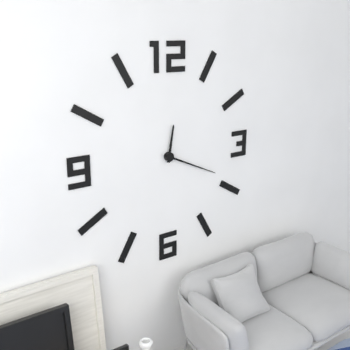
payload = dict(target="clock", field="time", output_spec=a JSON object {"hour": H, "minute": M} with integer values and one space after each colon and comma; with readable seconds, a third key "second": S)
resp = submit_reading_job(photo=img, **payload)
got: {"hour": 12, "minute": 19}
